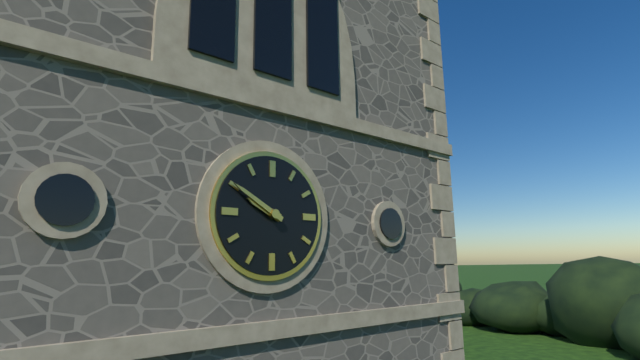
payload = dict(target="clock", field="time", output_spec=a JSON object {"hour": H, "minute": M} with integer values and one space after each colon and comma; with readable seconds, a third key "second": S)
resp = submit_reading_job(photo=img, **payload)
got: {"hour": 9, "minute": 50}
